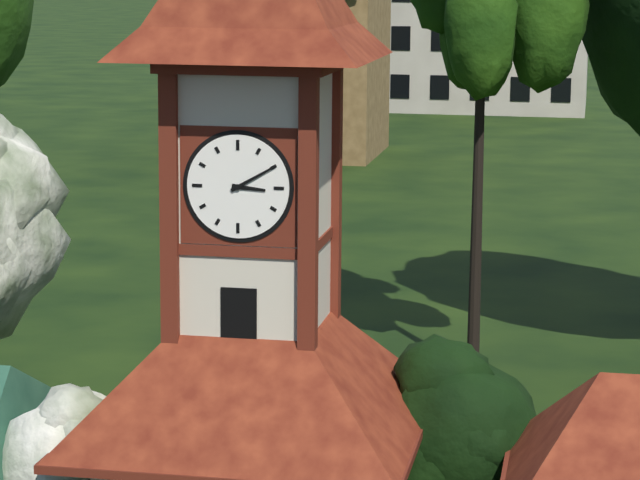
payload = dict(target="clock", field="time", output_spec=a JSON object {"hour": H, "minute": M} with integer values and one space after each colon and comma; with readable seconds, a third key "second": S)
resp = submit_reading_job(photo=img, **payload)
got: {"hour": 3, "minute": 10}
